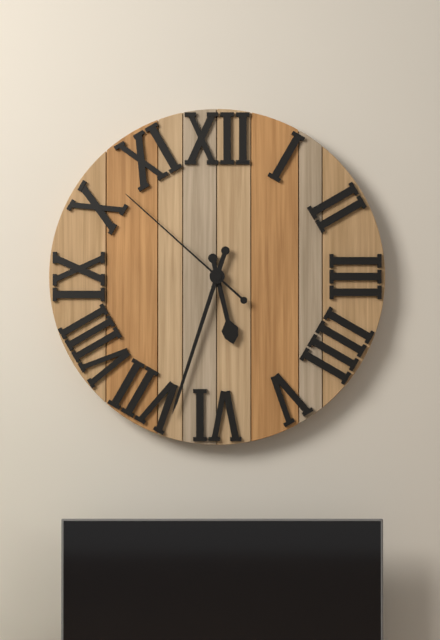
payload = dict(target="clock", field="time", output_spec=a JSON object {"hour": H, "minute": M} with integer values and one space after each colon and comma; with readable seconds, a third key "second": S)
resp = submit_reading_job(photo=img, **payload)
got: {"hour": 5, "minute": 33, "second": 52}
